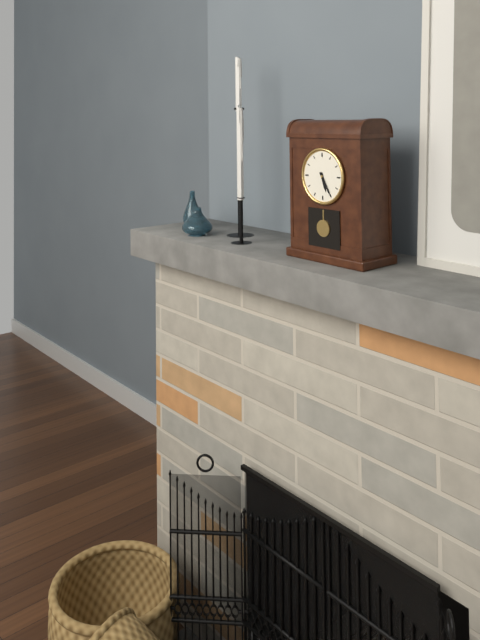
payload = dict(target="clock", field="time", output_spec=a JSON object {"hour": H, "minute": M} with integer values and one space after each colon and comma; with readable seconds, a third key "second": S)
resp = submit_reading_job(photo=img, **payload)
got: {"hour": 5, "minute": 25}
